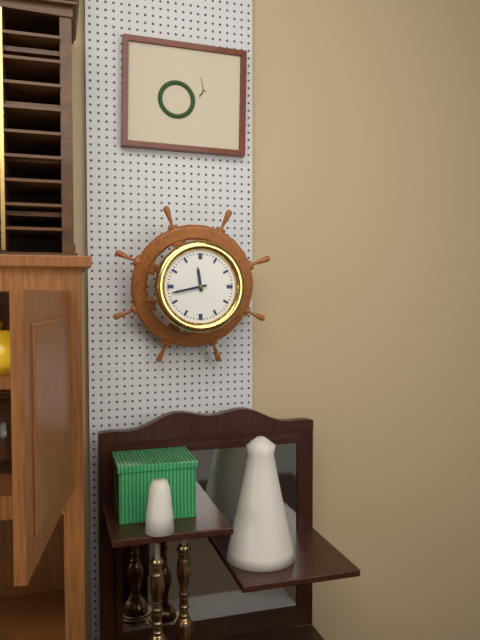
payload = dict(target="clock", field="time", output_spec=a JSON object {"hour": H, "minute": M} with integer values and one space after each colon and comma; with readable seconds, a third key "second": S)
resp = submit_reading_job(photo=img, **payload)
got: {"hour": 11, "minute": 43}
